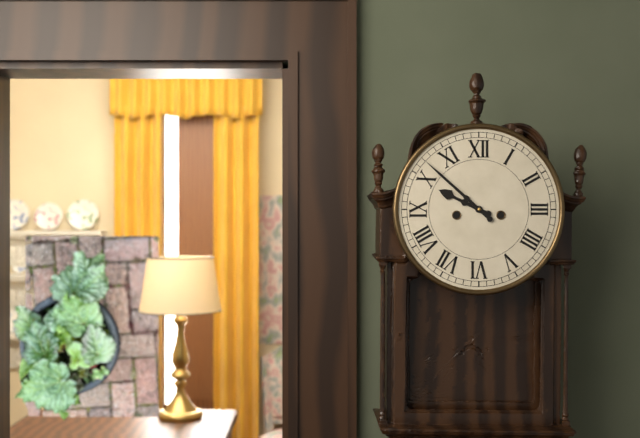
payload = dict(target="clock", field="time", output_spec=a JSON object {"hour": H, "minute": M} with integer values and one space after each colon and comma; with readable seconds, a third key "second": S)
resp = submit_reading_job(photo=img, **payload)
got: {"hour": 9, "minute": 52}
